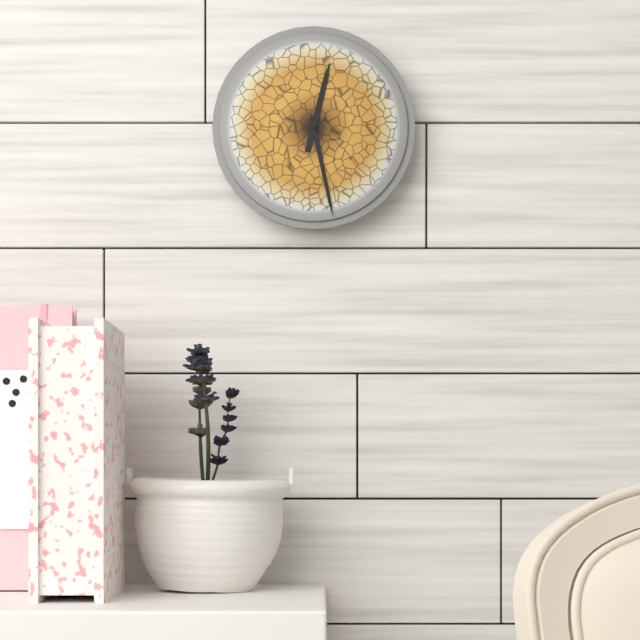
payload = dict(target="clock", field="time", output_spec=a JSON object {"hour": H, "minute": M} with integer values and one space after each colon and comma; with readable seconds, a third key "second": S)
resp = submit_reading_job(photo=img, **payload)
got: {"hour": 12, "minute": 28}
